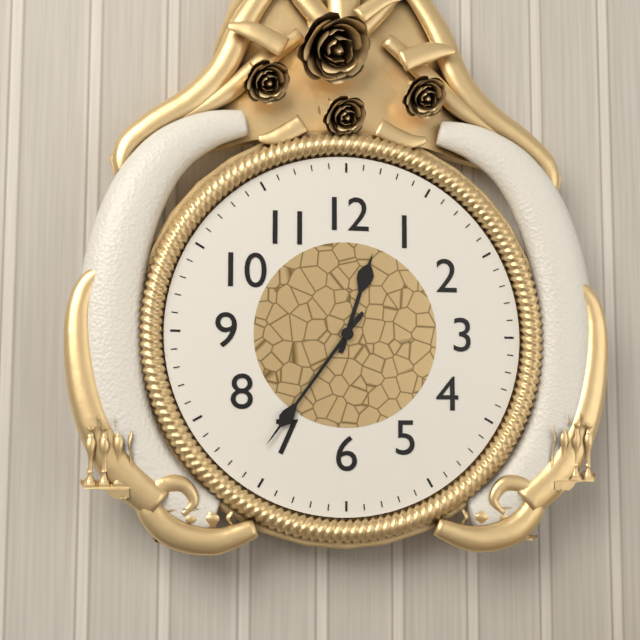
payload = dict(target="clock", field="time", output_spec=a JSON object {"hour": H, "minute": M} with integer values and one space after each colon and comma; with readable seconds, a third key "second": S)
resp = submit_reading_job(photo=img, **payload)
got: {"hour": 12, "minute": 36}
